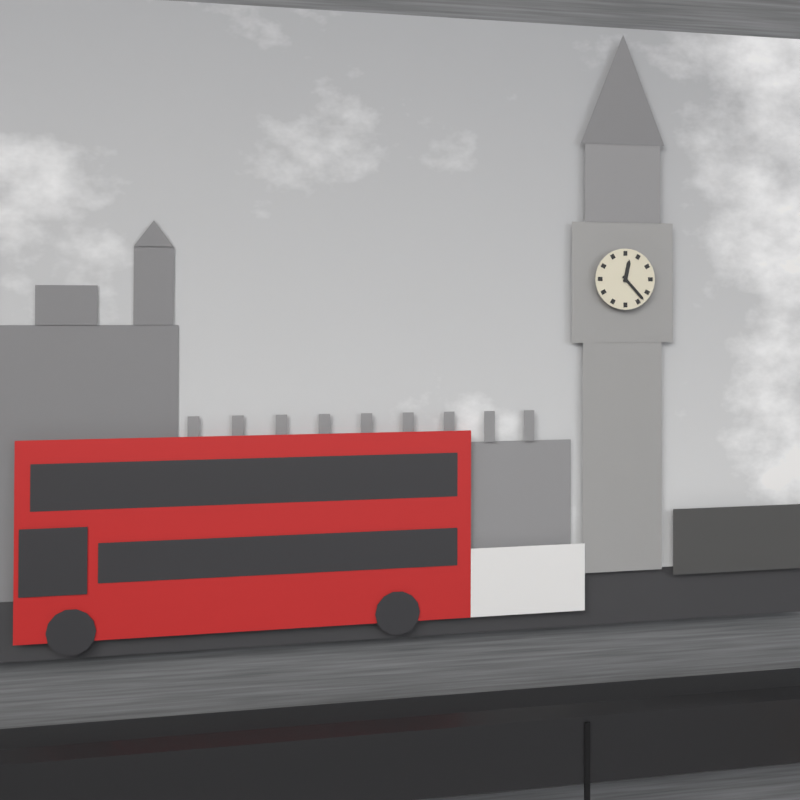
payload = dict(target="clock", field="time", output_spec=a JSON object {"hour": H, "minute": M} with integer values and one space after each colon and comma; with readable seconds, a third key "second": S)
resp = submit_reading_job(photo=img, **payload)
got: {"hour": 12, "minute": 23}
